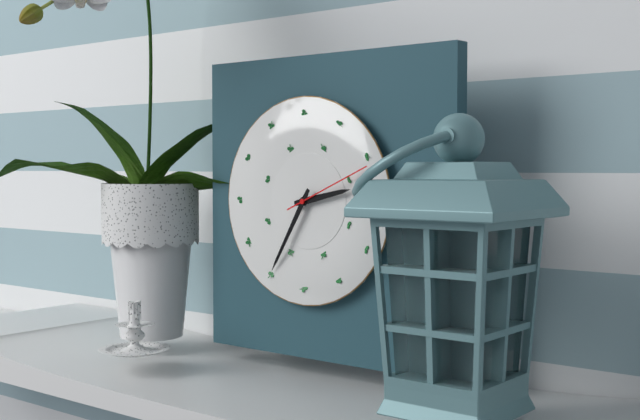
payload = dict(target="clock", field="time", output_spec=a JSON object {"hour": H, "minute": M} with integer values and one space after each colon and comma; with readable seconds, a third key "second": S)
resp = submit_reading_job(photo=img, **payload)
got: {"hour": 2, "minute": 35, "second": 11}
